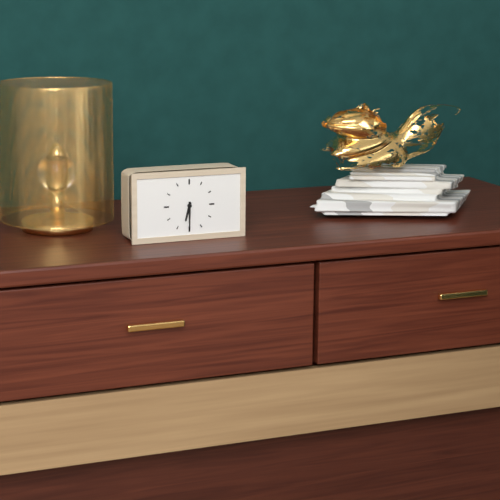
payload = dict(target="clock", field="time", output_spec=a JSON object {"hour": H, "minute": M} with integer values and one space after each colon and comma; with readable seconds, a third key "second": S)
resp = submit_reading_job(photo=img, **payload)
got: {"hour": 6, "minute": 30}
